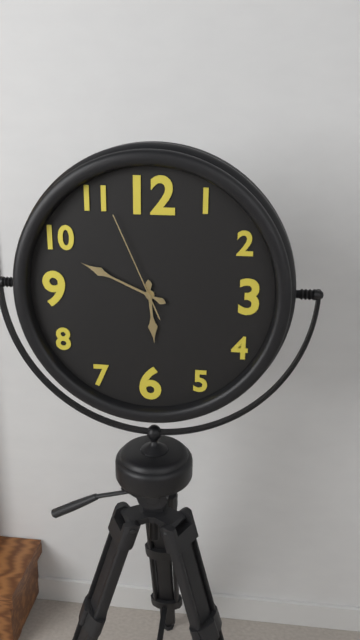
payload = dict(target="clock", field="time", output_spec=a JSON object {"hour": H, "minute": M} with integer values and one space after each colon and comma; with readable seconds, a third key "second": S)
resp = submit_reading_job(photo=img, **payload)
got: {"hour": 5, "minute": 49, "second": 56}
